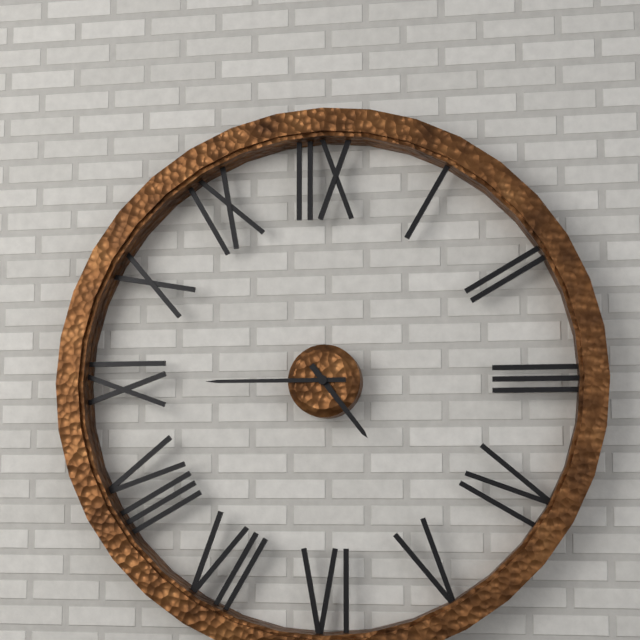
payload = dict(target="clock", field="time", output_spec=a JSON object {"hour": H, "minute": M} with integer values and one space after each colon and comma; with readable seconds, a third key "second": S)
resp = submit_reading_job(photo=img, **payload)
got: {"hour": 4, "minute": 45}
